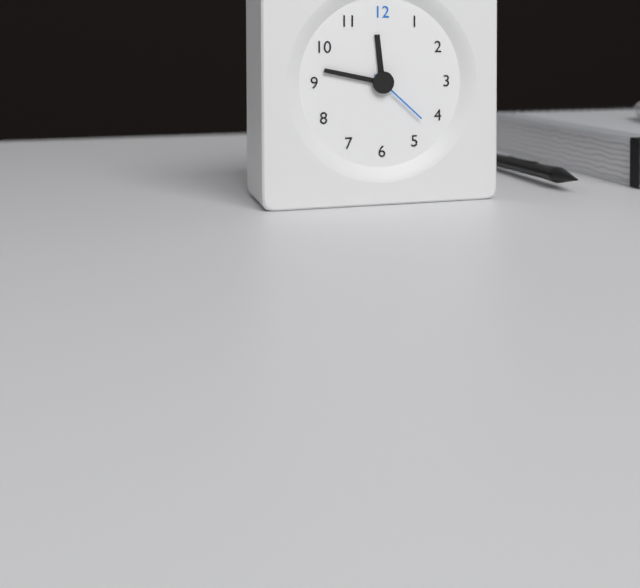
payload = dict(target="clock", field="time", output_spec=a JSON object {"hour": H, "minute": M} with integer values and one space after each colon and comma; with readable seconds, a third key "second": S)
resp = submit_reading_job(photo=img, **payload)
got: {"hour": 11, "minute": 47, "second": 22}
